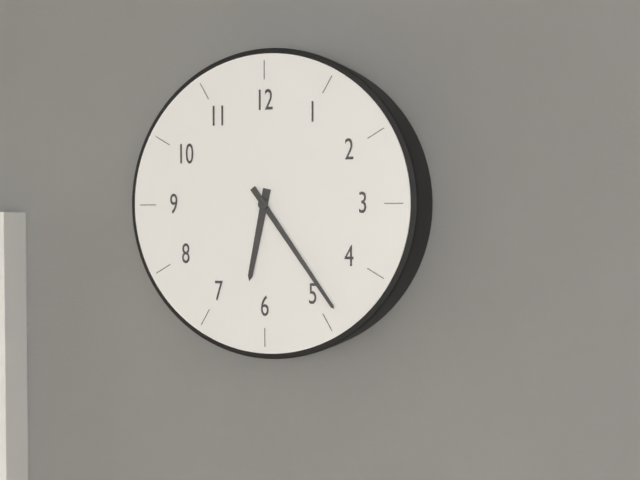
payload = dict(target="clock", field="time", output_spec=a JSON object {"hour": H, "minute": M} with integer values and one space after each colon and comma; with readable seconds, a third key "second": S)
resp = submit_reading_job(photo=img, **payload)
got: {"hour": 6, "minute": 24}
